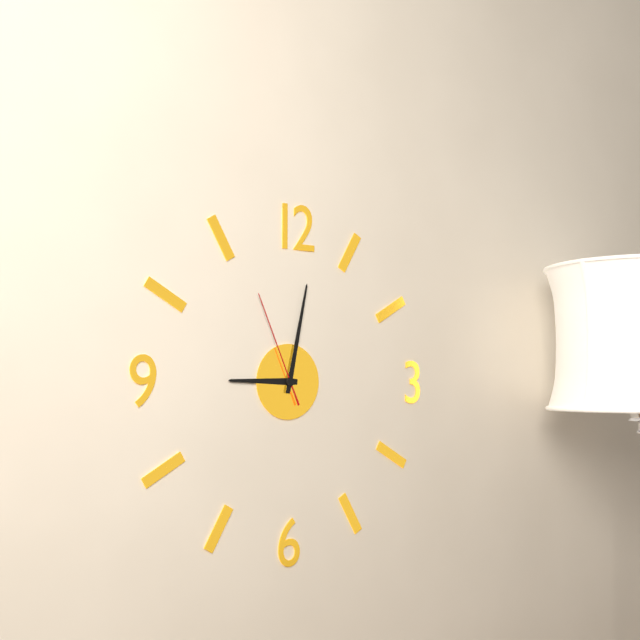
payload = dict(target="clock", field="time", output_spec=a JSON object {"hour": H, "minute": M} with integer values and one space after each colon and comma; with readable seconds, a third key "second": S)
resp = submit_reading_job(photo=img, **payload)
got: {"hour": 9, "minute": 2, "second": 56}
